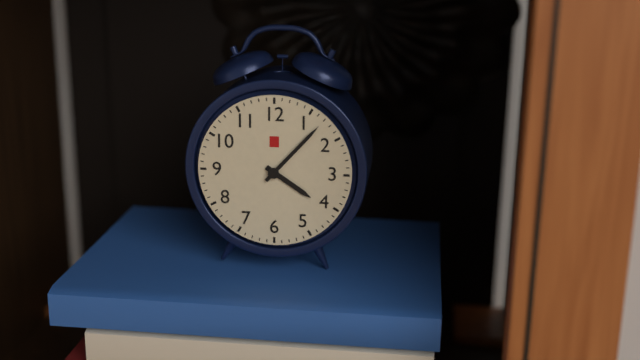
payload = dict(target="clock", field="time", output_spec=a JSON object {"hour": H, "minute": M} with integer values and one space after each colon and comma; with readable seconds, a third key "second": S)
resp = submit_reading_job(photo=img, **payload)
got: {"hour": 4, "minute": 7}
